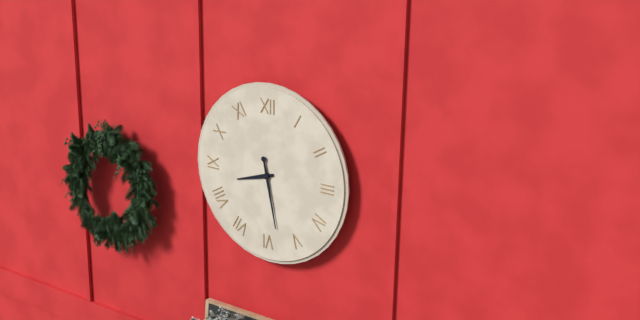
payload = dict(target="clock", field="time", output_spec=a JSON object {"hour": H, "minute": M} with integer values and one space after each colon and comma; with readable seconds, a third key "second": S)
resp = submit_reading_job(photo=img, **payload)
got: {"hour": 8, "minute": 28}
